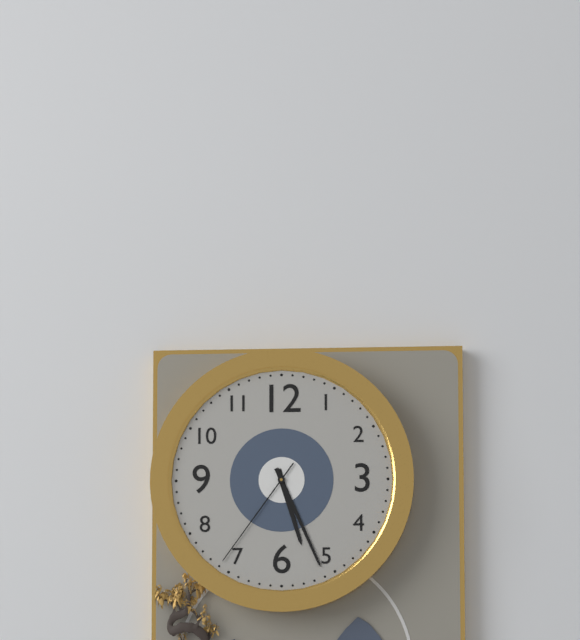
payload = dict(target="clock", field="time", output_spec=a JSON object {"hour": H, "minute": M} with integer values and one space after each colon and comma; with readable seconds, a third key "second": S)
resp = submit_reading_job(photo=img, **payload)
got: {"hour": 5, "minute": 26, "second": 36}
